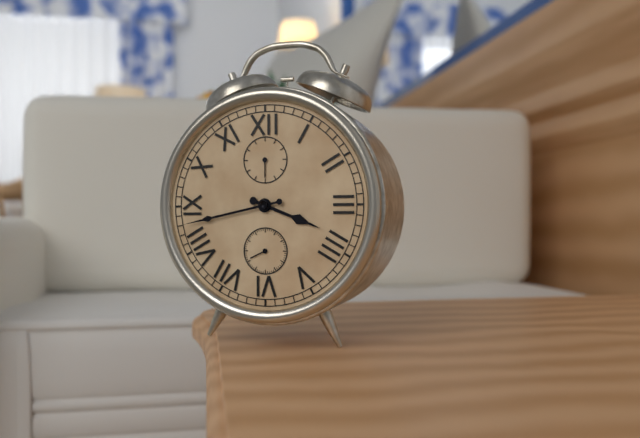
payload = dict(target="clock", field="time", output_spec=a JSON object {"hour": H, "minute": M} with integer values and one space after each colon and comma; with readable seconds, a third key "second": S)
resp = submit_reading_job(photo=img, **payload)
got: {"hour": 3, "minute": 43}
